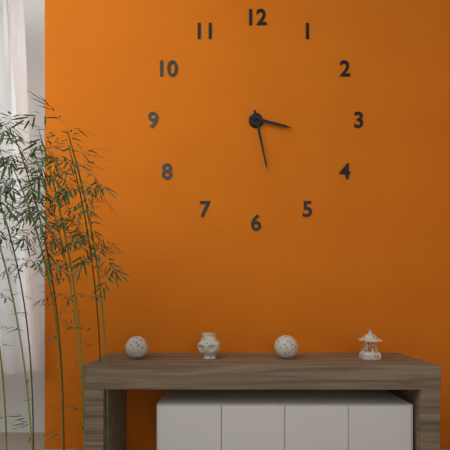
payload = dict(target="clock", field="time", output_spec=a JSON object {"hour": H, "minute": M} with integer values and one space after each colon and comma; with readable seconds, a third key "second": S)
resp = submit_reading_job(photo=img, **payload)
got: {"hour": 3, "minute": 28}
